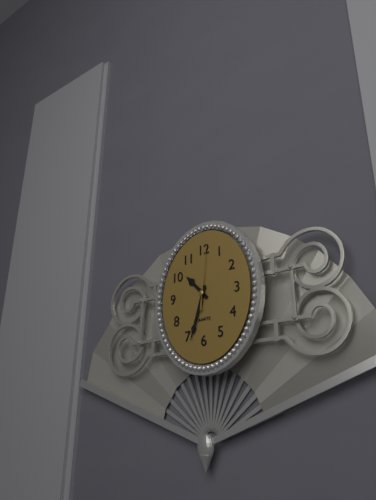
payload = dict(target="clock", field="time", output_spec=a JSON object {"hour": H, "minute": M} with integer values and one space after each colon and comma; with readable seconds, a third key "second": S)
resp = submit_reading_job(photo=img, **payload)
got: {"hour": 10, "minute": 33, "second": 1}
